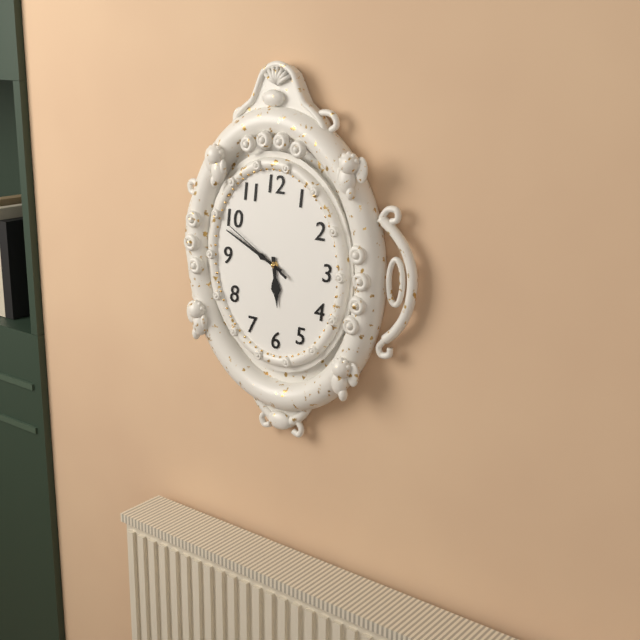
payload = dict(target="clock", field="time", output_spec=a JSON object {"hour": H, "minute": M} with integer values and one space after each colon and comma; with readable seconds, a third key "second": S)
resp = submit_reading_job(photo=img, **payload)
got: {"hour": 5, "minute": 49, "second": 50}
